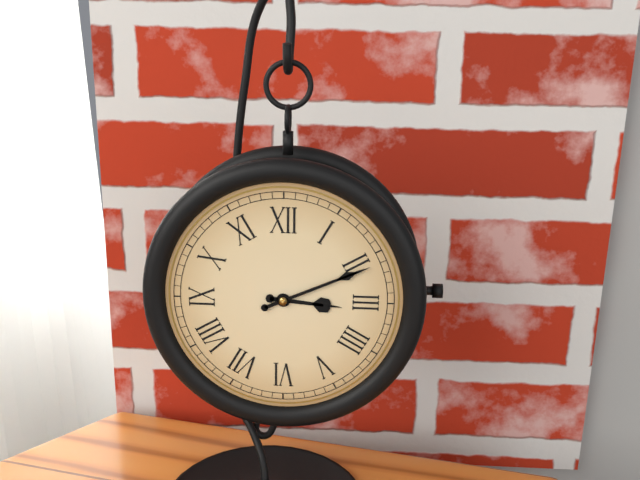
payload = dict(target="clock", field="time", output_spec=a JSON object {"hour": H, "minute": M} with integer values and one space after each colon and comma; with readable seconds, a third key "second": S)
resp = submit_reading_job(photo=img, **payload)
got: {"hour": 3, "minute": 11}
